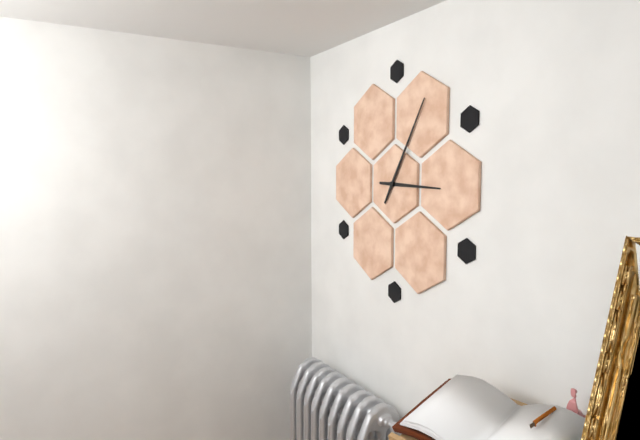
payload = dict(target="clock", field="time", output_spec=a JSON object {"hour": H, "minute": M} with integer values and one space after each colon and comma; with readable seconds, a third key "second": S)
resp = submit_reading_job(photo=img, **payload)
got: {"hour": 3, "minute": 5}
